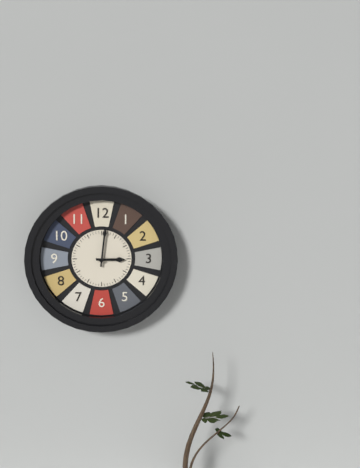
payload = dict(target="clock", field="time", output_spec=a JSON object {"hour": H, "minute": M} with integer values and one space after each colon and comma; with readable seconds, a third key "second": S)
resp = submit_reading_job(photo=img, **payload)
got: {"hour": 3, "minute": 1}
